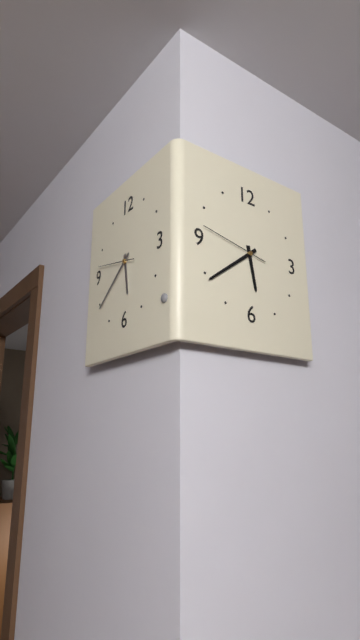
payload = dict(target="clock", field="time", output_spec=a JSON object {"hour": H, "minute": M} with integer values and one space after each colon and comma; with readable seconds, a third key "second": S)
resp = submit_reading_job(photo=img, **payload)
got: {"hour": 5, "minute": 39, "second": 47}
